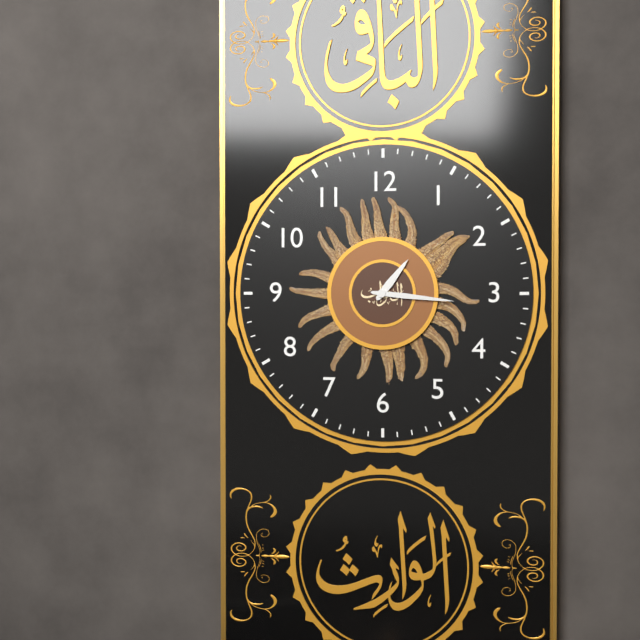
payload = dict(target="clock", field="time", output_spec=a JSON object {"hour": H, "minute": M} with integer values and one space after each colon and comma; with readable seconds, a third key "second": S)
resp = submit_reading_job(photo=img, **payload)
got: {"hour": 1, "minute": 16}
